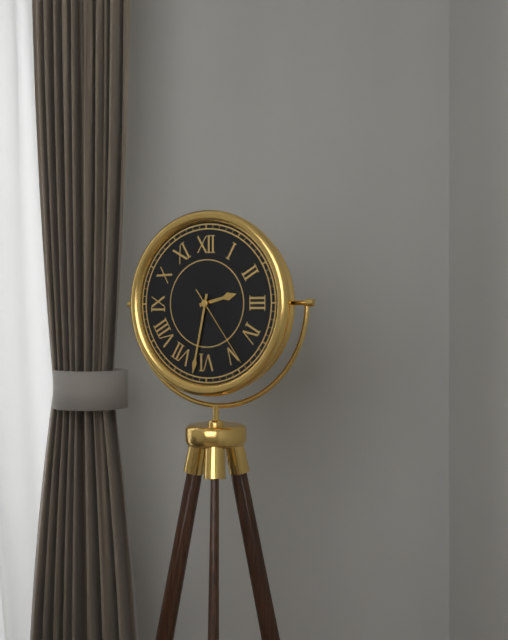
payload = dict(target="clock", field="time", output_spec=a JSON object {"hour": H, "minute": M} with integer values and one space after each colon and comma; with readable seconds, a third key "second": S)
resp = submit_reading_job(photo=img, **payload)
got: {"hour": 2, "minute": 32, "second": 24}
